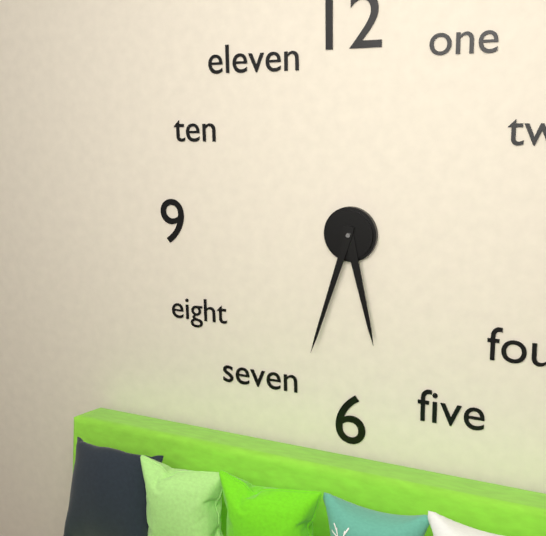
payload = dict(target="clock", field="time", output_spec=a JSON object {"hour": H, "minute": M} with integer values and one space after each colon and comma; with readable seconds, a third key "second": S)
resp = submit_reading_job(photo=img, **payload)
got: {"hour": 5, "minute": 33}
